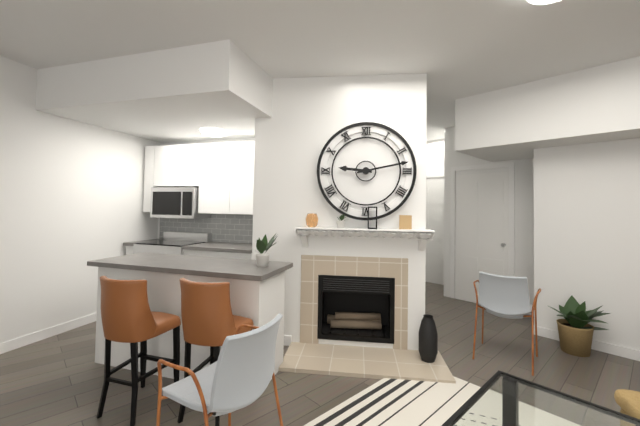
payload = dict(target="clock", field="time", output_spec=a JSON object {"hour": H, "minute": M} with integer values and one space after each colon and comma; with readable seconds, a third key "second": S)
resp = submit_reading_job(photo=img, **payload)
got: {"hour": 9, "minute": 13}
